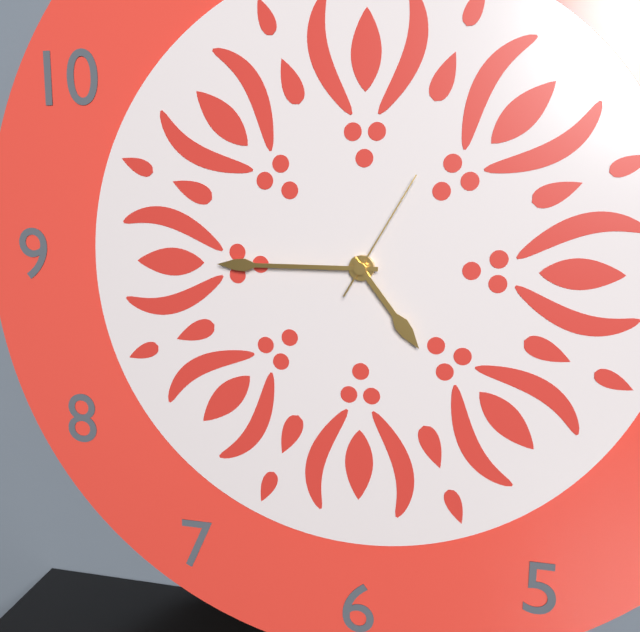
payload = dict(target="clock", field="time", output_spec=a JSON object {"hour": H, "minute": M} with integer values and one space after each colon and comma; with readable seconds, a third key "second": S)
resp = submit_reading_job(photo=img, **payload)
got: {"hour": 4, "minute": 45, "second": 5}
